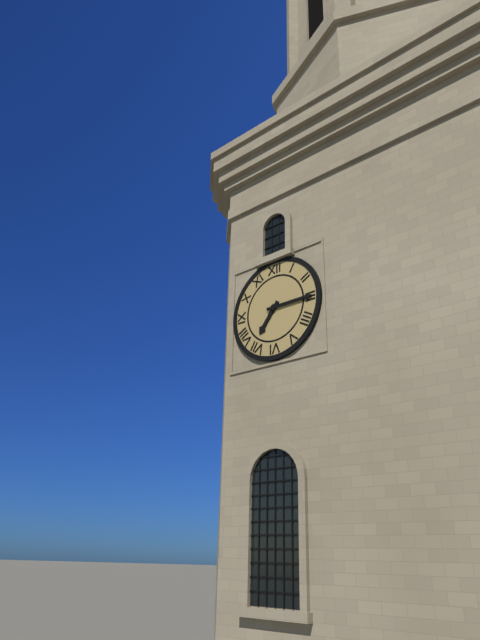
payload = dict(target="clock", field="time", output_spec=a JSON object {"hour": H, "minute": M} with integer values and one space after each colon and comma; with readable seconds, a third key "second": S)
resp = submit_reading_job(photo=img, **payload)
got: {"hour": 7, "minute": 15}
